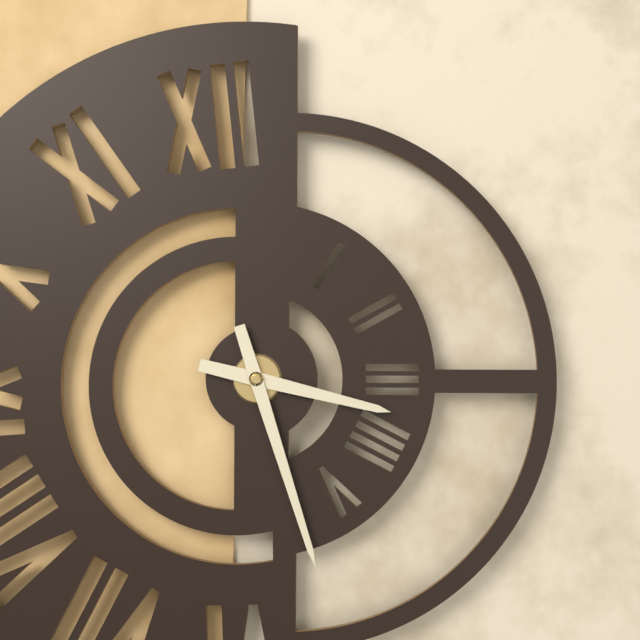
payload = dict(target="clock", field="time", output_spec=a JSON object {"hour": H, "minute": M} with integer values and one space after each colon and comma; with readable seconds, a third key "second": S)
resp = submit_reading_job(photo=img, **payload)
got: {"hour": 3, "minute": 27}
